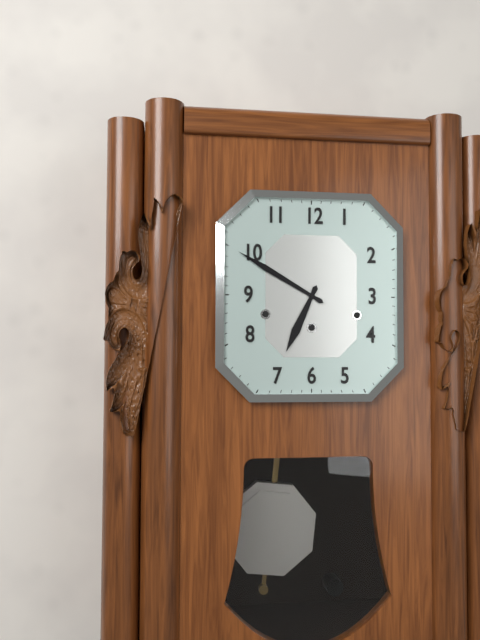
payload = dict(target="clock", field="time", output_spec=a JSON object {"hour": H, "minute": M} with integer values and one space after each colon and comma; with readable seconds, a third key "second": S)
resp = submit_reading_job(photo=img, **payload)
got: {"hour": 6, "minute": 50}
